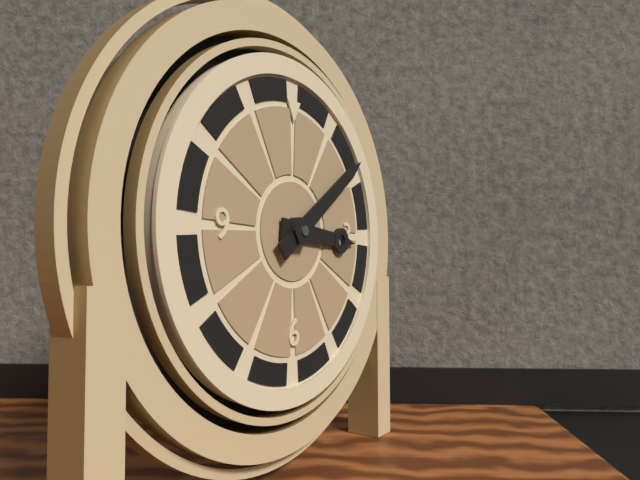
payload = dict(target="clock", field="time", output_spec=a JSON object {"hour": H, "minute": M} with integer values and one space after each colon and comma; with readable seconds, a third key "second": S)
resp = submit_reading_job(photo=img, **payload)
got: {"hour": 3, "minute": 9}
